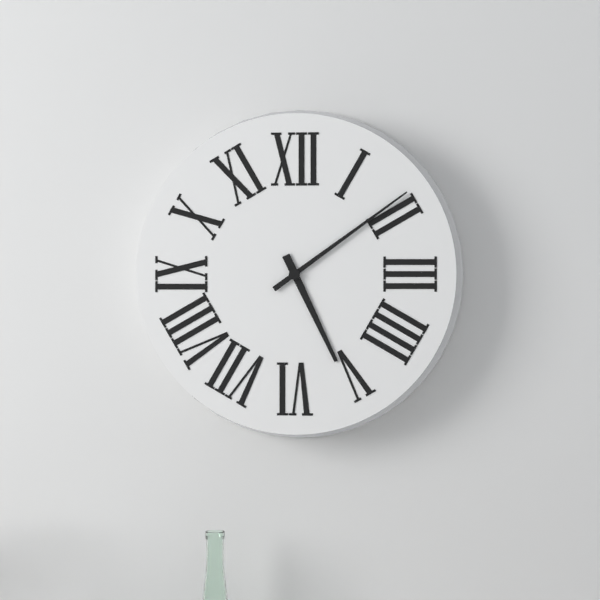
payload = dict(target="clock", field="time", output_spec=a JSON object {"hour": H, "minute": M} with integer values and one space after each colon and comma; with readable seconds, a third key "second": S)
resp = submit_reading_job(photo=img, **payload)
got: {"hour": 5, "minute": 9}
